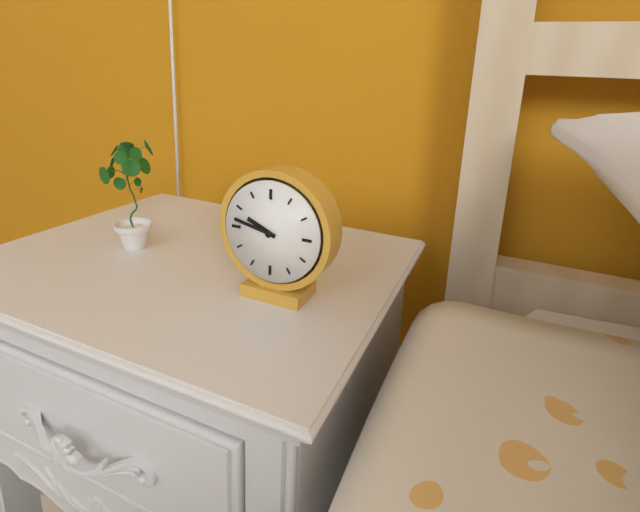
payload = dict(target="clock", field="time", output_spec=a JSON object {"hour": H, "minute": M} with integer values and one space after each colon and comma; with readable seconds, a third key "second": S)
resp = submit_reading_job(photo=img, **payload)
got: {"hour": 9, "minute": 47}
